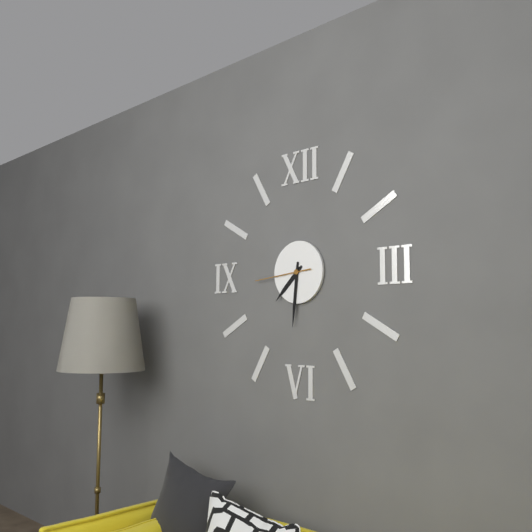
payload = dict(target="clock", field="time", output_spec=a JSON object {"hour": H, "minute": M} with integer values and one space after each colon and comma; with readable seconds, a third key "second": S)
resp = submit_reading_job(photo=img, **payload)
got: {"hour": 7, "minute": 31, "second": 44}
